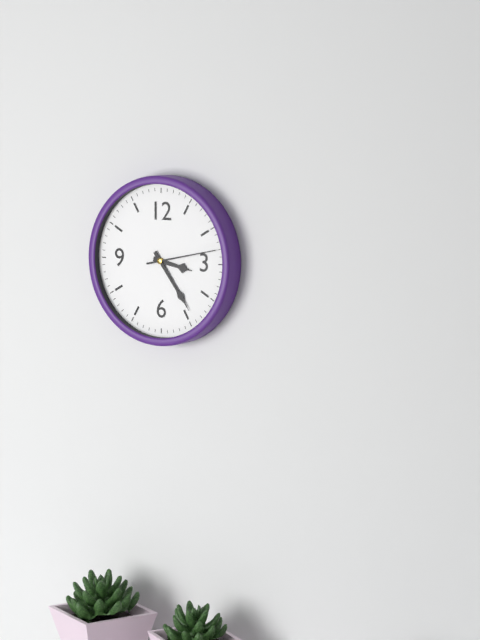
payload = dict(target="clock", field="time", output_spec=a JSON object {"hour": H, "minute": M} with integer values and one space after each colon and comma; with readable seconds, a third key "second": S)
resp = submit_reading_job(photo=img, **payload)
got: {"hour": 3, "minute": 24, "second": 13}
